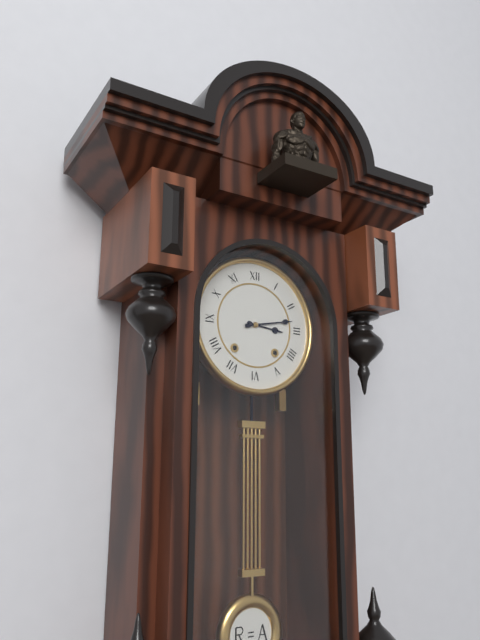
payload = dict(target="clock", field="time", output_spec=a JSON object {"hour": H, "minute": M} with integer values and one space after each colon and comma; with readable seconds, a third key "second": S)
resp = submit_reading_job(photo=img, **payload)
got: {"hour": 3, "minute": 13}
